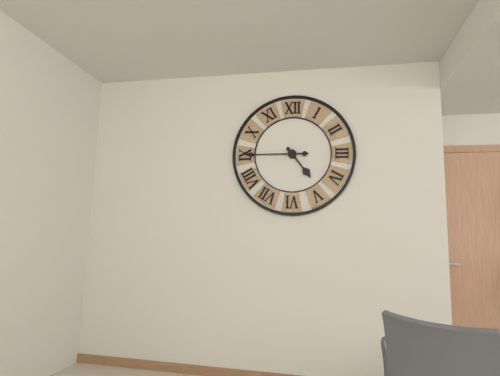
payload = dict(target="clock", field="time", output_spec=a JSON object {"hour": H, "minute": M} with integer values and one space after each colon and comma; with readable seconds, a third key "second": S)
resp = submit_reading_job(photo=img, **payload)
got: {"hour": 4, "minute": 45}
